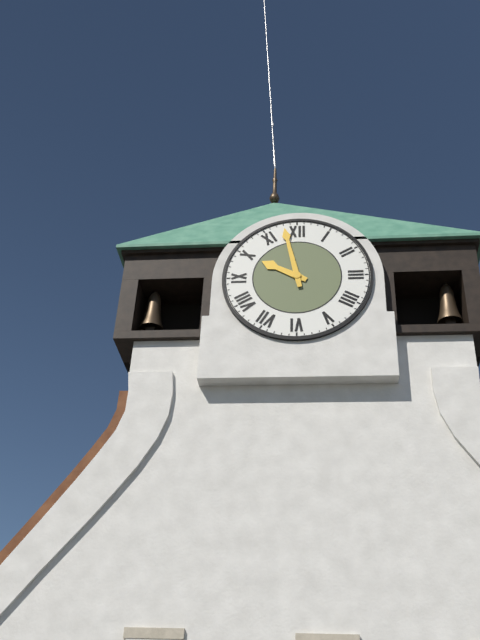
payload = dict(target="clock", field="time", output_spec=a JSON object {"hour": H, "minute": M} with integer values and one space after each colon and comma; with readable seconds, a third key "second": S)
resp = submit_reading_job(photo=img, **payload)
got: {"hour": 9, "minute": 58}
